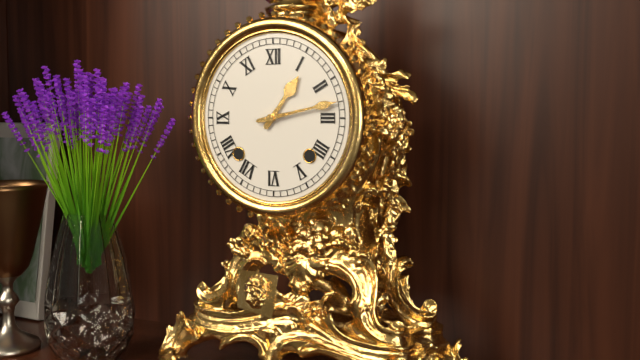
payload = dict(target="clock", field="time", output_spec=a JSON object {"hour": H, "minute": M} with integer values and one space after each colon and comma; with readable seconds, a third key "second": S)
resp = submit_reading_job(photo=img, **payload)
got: {"hour": 1, "minute": 13}
